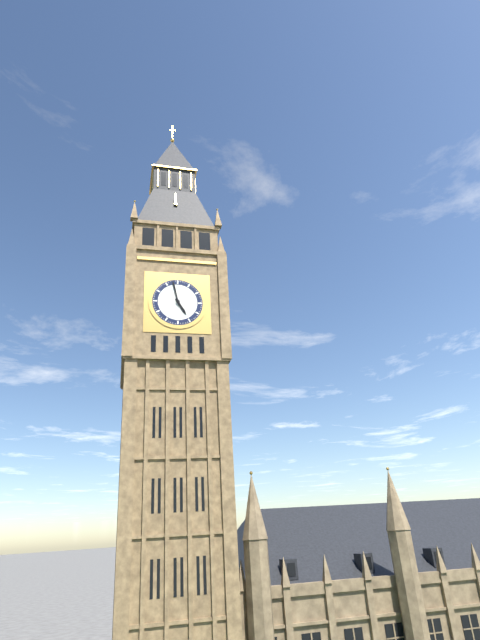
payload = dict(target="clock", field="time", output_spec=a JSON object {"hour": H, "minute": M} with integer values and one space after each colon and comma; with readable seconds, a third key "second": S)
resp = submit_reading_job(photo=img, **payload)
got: {"hour": 4, "minute": 58}
